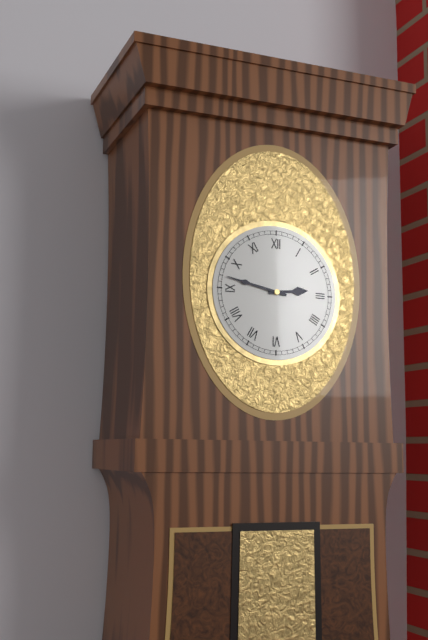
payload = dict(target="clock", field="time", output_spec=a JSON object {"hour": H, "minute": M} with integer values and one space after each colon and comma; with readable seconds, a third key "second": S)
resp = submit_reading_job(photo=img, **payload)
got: {"hour": 2, "minute": 47}
